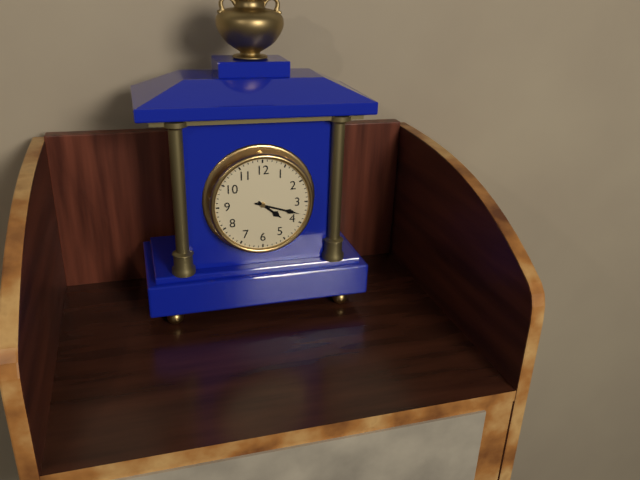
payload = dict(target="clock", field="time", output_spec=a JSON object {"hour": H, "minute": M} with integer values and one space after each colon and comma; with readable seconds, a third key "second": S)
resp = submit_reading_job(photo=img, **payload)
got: {"hour": 4, "minute": 18}
